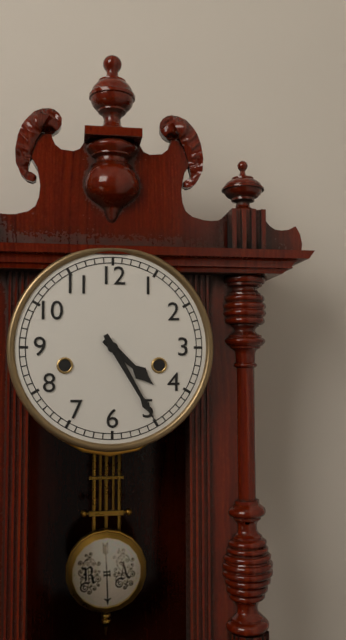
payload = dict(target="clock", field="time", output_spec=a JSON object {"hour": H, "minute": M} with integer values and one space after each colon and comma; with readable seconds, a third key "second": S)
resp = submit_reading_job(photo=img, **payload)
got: {"hour": 4, "minute": 25}
